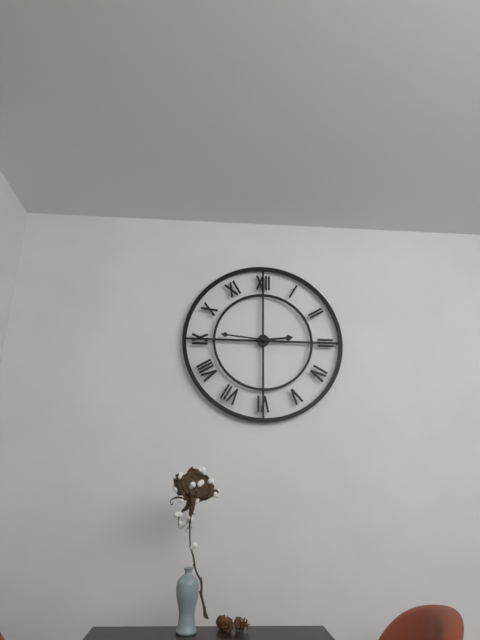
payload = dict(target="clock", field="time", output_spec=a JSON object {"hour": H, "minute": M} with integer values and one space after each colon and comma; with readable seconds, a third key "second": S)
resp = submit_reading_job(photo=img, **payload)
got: {"hour": 2, "minute": 46}
